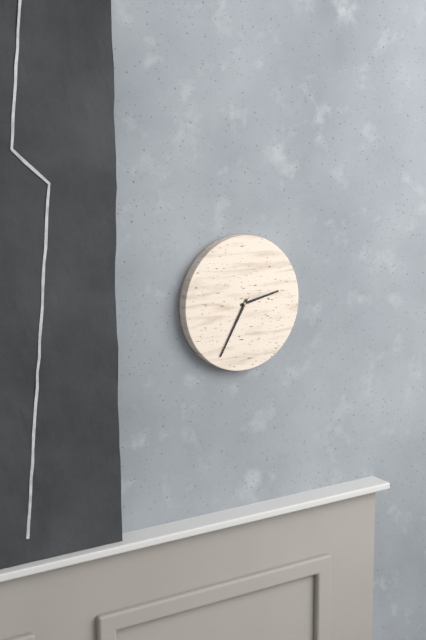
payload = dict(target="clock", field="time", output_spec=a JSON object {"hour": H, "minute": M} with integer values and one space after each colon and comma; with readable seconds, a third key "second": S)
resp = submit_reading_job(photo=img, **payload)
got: {"hour": 2, "minute": 35}
